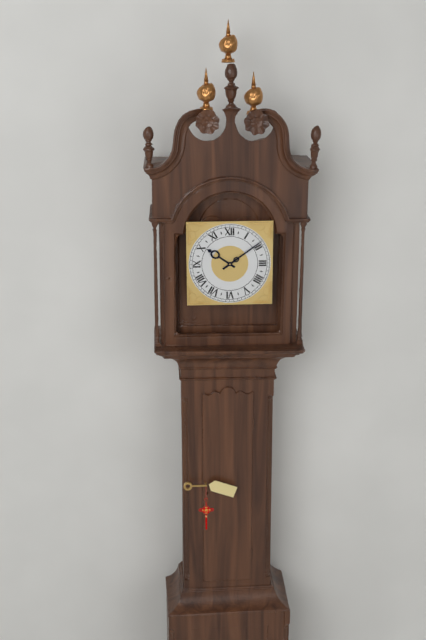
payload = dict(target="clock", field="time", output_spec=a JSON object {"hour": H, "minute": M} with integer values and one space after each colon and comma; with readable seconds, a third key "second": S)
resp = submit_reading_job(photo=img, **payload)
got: {"hour": 10, "minute": 9}
